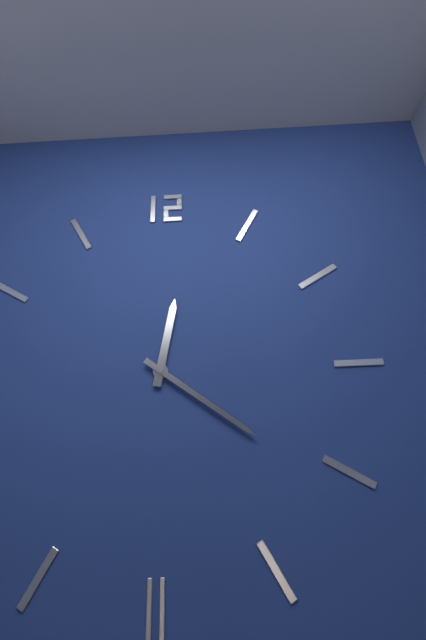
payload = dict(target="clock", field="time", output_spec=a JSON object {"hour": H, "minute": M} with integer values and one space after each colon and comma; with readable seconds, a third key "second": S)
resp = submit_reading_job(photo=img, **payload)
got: {"hour": 12, "minute": 21}
